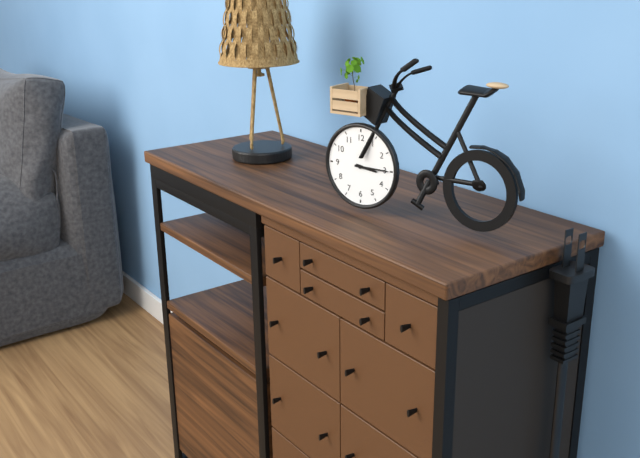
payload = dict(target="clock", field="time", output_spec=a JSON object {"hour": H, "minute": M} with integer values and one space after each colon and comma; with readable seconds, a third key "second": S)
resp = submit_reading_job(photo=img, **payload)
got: {"hour": 3, "minute": 15}
